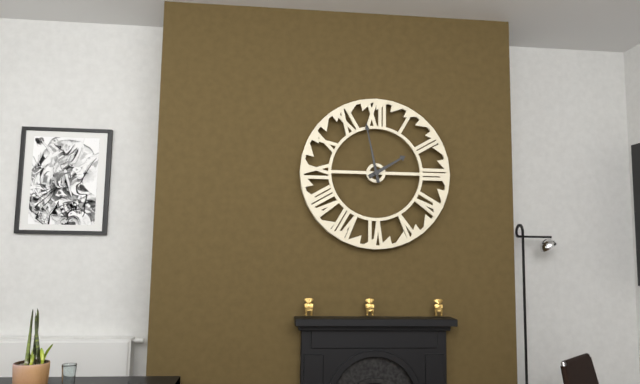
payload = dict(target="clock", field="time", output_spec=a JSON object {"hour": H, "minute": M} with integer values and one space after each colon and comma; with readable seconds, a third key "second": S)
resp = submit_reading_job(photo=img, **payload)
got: {"hour": 1, "minute": 58}
